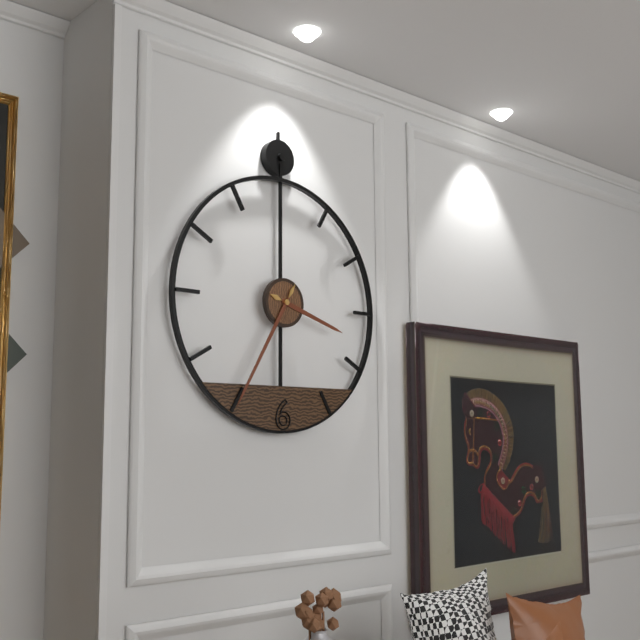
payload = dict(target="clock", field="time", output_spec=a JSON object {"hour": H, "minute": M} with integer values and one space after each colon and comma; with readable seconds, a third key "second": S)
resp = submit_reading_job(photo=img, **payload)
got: {"hour": 3, "minute": 35}
